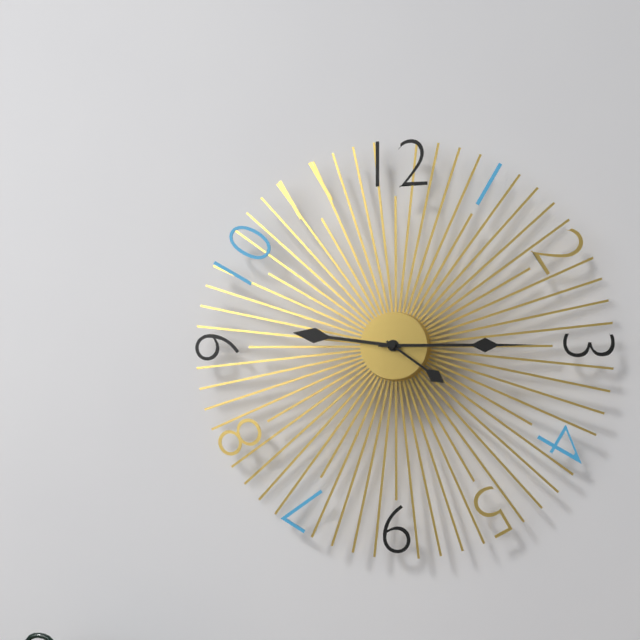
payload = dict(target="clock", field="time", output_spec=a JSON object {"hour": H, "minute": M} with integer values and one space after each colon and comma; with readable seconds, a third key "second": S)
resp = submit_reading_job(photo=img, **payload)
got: {"hour": 9, "minute": 15, "second": 21}
